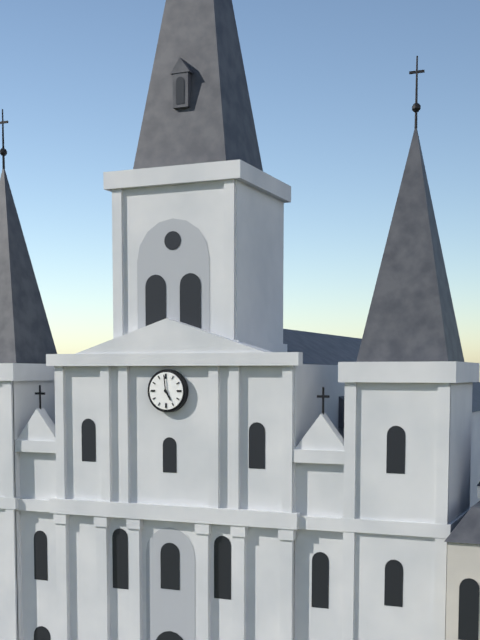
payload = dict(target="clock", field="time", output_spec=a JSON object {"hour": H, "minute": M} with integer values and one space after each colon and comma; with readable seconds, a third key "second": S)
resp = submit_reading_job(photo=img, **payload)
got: {"hour": 4, "minute": 59}
